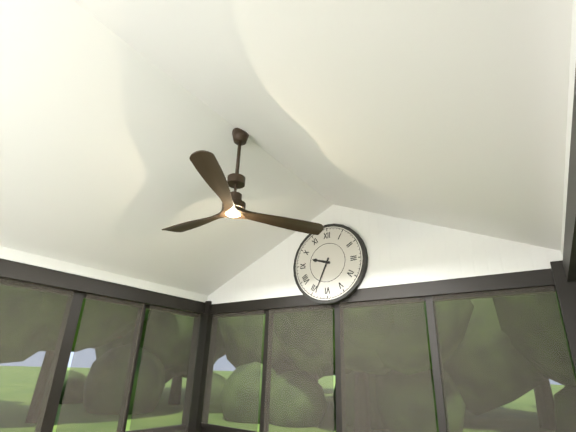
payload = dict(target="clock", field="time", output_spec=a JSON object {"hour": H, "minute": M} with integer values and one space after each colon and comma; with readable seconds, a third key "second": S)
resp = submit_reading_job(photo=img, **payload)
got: {"hour": 9, "minute": 34}
